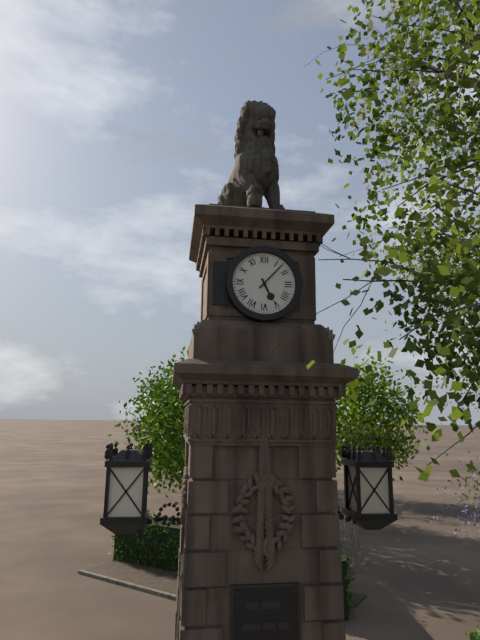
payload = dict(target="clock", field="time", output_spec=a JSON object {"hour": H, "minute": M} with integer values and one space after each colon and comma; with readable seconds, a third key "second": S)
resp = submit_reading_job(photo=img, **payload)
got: {"hour": 5, "minute": 7}
